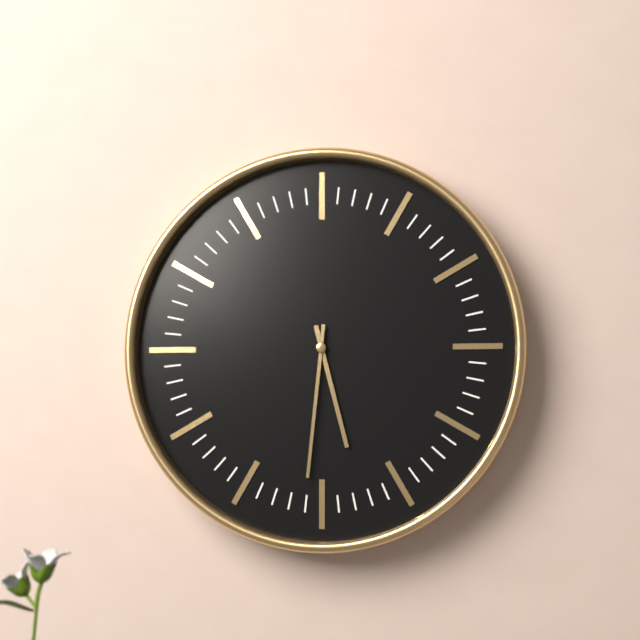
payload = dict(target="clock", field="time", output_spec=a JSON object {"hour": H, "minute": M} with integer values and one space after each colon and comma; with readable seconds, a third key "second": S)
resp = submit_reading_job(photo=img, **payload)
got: {"hour": 5, "minute": 31}
